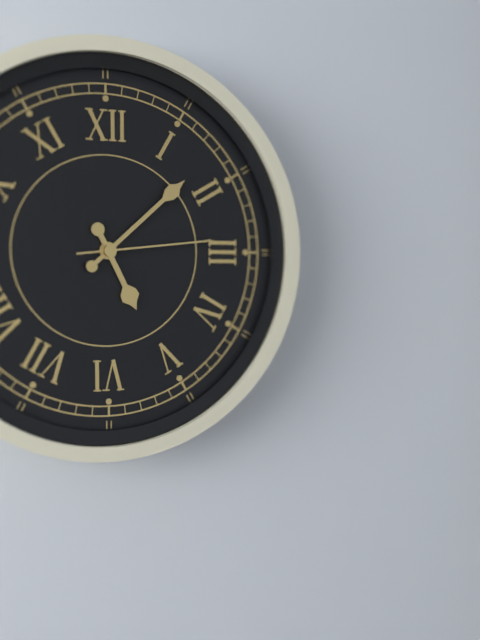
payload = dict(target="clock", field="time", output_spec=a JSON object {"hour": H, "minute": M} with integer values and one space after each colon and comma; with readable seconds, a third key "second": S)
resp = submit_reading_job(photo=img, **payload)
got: {"hour": 5, "minute": 8, "second": 14}
